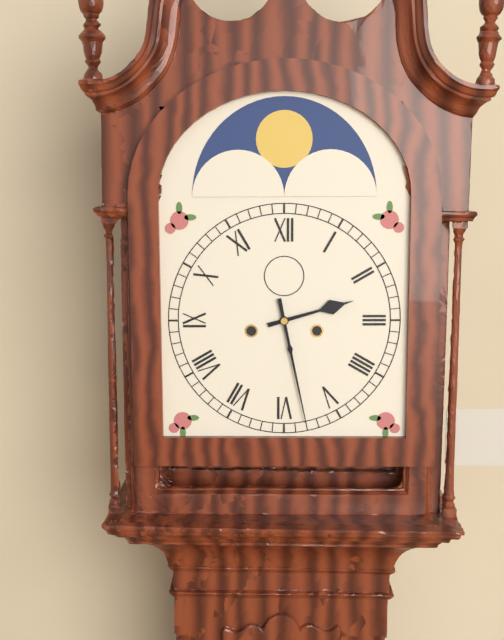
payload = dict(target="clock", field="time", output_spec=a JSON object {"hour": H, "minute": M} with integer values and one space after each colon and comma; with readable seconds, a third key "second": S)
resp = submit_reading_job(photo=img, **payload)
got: {"hour": 2, "minute": 28}
